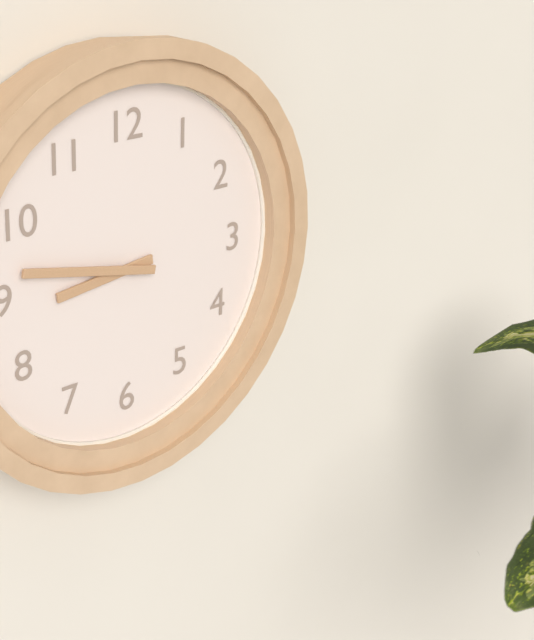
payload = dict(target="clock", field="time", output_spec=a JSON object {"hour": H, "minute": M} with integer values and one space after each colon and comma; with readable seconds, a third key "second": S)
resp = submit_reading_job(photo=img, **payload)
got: {"hour": 8, "minute": 47}
